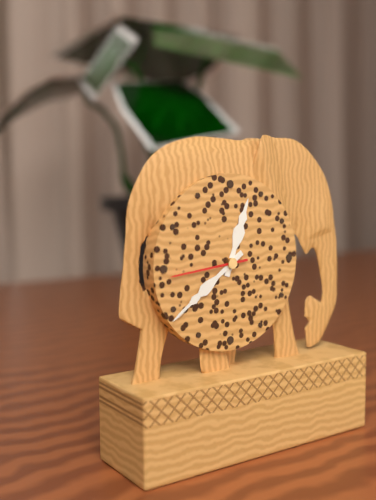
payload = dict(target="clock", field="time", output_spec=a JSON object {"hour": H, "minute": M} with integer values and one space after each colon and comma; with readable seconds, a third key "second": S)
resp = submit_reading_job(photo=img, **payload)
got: {"hour": 12, "minute": 39, "second": 44}
